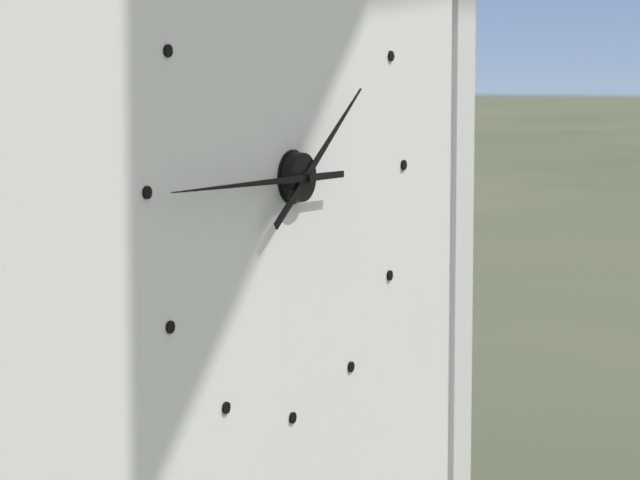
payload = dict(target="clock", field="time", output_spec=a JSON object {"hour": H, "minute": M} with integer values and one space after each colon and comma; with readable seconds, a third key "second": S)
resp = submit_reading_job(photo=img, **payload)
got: {"hour": 1, "minute": 45}
